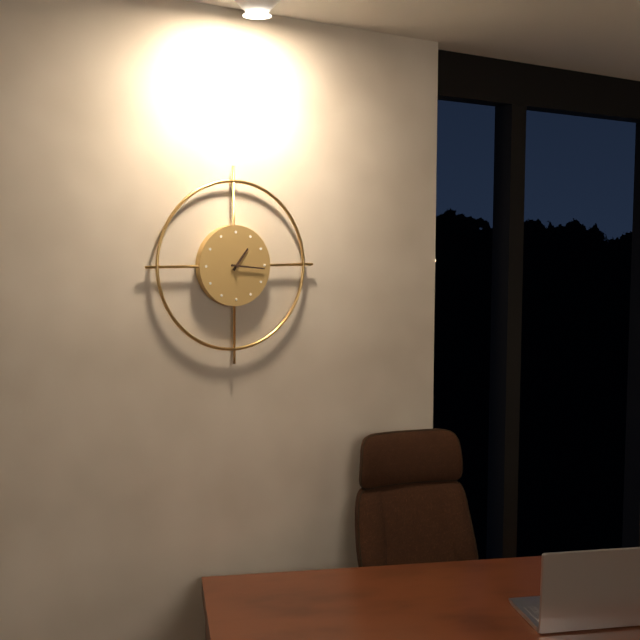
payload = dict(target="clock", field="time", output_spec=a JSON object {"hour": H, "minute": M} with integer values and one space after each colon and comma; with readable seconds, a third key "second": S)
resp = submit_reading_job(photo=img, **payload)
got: {"hour": 1, "minute": 16}
